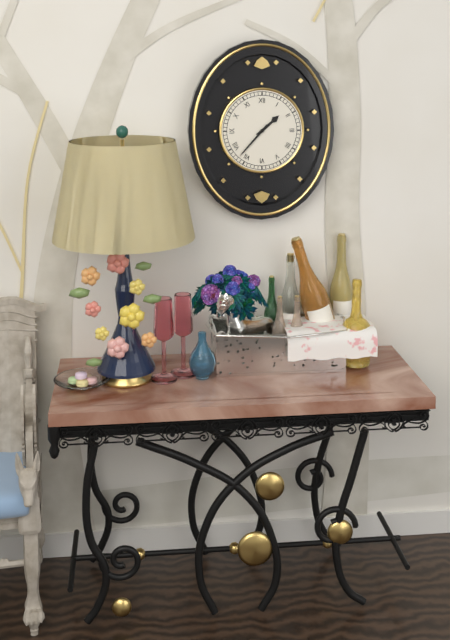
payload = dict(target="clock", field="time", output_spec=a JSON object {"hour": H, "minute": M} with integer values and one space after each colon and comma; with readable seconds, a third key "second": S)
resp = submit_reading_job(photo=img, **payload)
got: {"hour": 1, "minute": 37}
